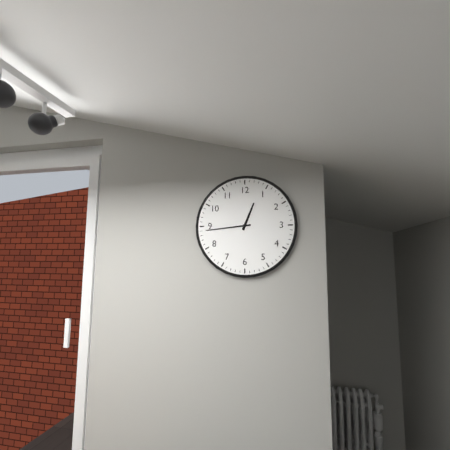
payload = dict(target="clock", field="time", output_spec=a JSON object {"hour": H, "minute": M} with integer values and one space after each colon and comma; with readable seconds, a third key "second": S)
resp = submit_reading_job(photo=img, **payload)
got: {"hour": 12, "minute": 44}
